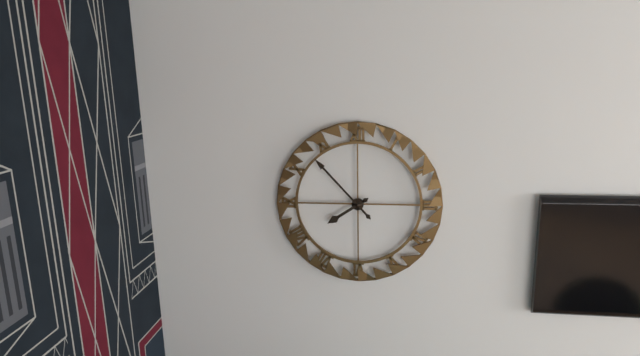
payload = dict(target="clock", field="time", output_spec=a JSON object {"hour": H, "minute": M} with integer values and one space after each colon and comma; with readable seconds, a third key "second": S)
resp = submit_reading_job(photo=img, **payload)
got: {"hour": 7, "minute": 53}
